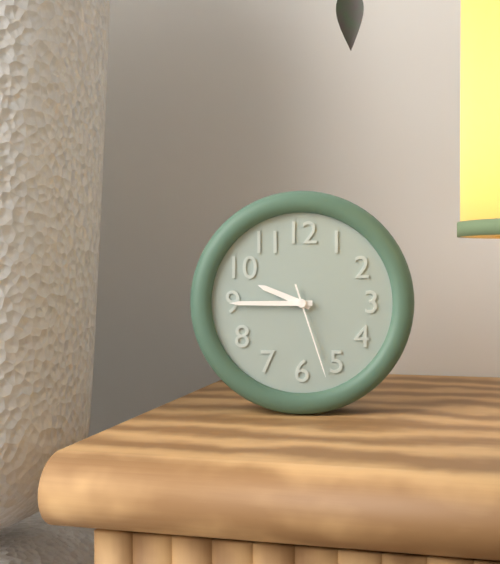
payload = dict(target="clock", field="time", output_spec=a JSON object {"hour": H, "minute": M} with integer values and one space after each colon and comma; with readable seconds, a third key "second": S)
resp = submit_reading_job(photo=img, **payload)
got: {"hour": 9, "minute": 45, "second": 27}
